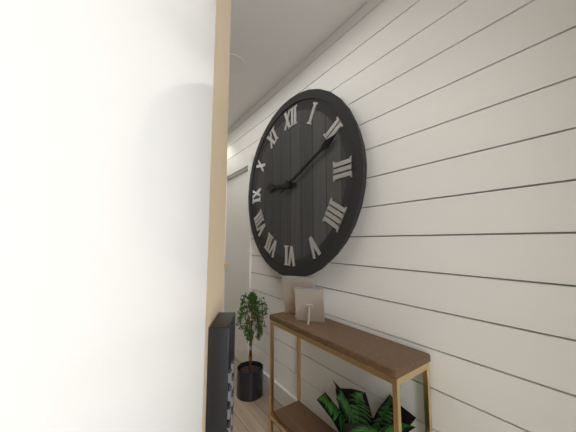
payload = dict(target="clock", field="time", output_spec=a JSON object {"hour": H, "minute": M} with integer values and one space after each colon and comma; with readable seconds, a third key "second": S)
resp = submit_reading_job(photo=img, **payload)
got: {"hour": 9, "minute": 11}
